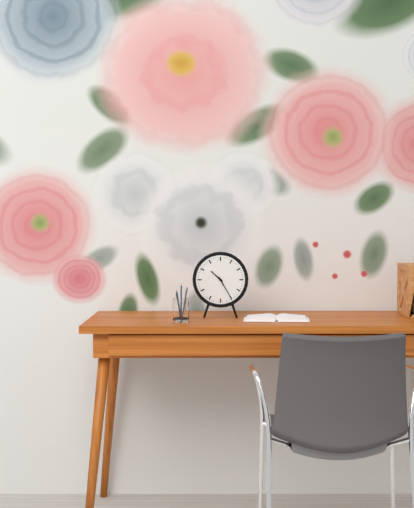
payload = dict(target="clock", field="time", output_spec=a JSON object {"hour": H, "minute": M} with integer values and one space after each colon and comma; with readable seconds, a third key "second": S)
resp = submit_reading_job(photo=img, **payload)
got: {"hour": 10, "minute": 25}
